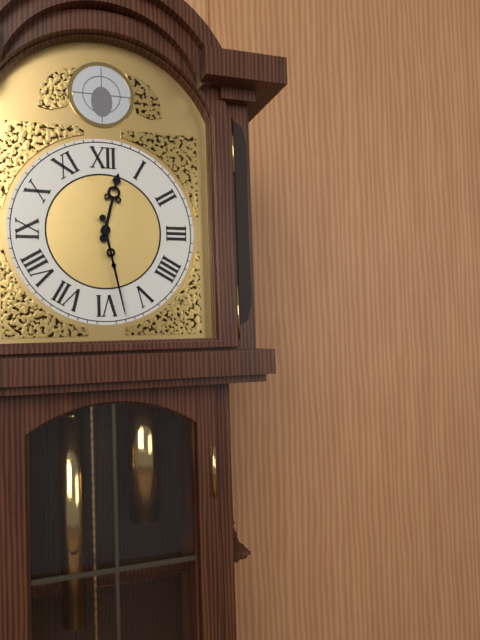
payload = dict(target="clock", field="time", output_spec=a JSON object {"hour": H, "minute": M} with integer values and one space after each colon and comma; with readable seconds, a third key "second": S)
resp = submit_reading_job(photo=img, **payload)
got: {"hour": 12, "minute": 28}
